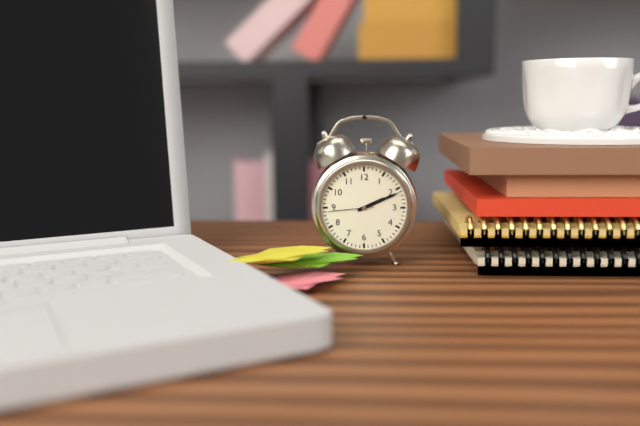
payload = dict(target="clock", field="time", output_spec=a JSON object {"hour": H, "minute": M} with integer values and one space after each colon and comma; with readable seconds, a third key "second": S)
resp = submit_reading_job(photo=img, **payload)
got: {"hour": 2, "minute": 11, "second": 44}
